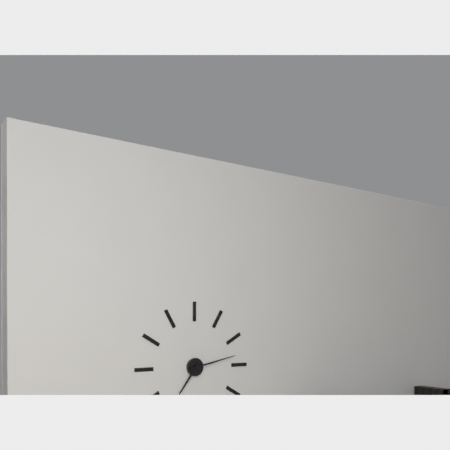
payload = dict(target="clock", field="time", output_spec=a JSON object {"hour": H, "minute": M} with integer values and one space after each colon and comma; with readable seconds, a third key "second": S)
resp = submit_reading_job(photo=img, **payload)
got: {"hour": 7, "minute": 13}
